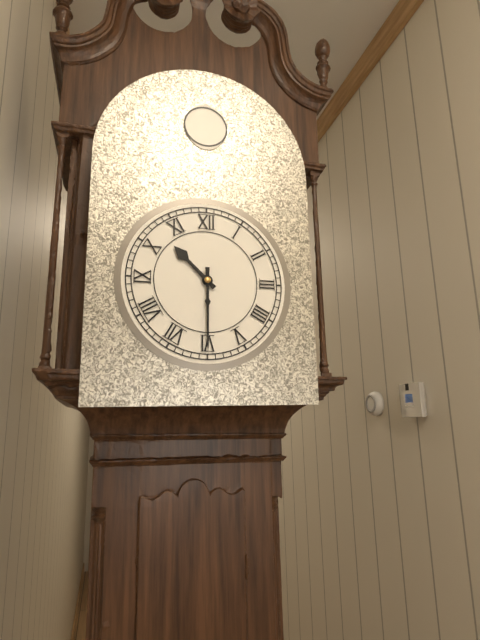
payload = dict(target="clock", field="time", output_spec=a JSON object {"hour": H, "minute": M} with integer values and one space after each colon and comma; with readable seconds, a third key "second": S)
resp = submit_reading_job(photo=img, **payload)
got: {"hour": 10, "minute": 30}
